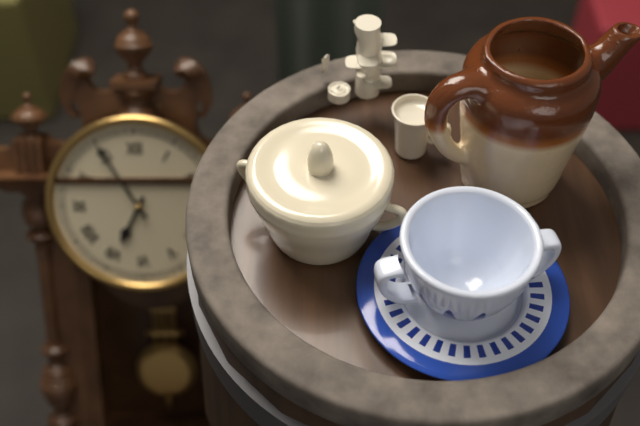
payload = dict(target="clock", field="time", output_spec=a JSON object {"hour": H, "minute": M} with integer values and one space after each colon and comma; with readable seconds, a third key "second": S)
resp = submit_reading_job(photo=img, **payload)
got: {"hour": 6, "minute": 55}
